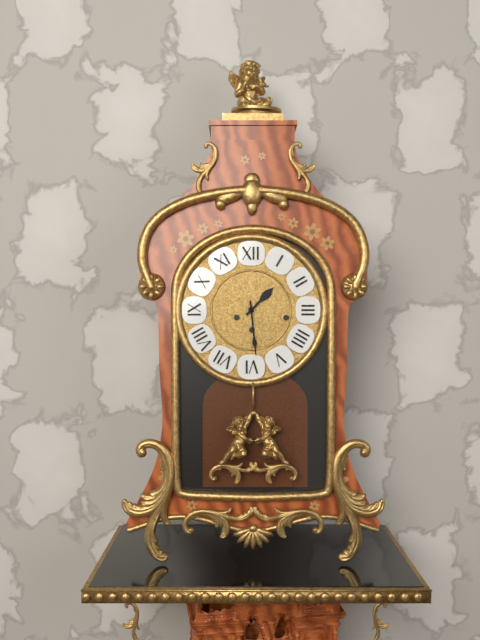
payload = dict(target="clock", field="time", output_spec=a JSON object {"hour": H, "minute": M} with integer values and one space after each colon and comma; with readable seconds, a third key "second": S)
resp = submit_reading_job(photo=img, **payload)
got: {"hour": 1, "minute": 29}
